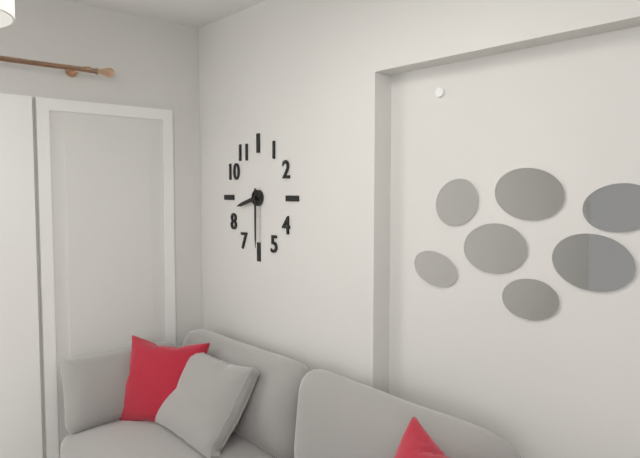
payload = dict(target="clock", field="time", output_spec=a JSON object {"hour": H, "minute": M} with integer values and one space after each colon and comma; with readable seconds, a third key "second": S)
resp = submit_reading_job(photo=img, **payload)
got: {"hour": 8, "minute": 30}
